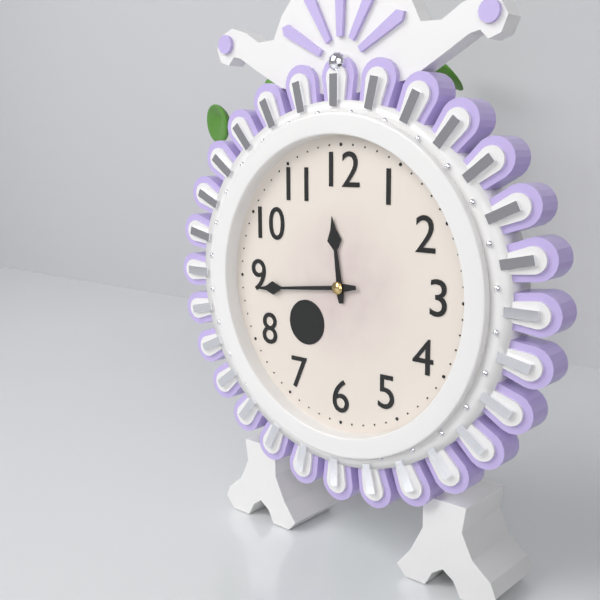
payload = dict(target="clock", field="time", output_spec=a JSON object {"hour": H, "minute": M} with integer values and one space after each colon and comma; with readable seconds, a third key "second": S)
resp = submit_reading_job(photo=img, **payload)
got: {"hour": 11, "minute": 44}
